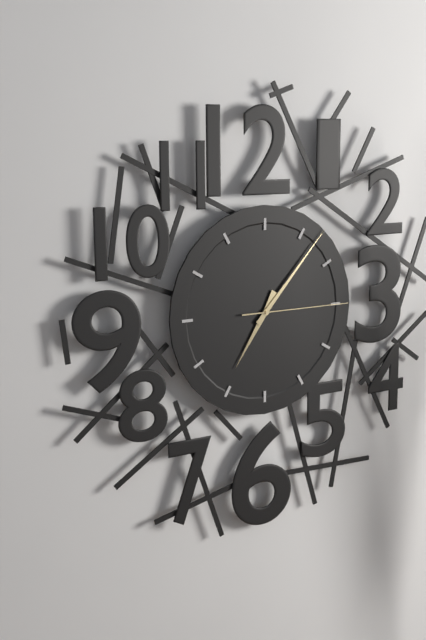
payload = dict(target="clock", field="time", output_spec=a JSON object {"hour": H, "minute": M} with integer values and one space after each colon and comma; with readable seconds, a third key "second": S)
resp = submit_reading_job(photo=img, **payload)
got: {"hour": 7, "minute": 7, "second": 15}
